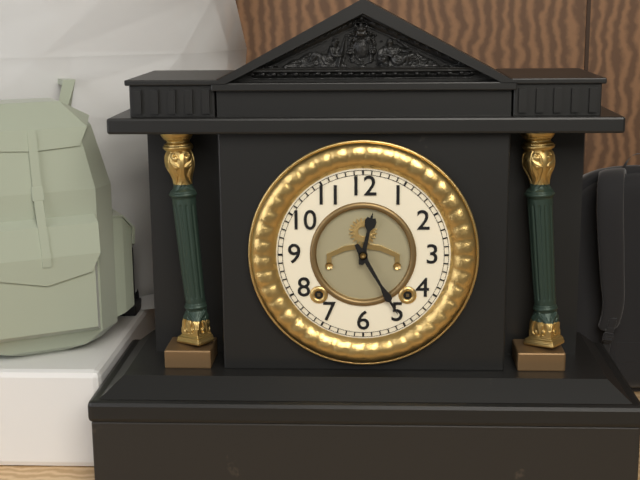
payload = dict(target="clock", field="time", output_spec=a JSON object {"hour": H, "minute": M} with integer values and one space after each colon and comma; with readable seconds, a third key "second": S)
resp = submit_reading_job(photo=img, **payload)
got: {"hour": 12, "minute": 25}
